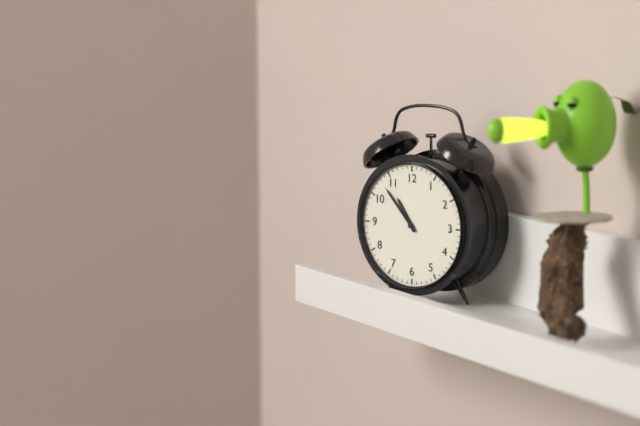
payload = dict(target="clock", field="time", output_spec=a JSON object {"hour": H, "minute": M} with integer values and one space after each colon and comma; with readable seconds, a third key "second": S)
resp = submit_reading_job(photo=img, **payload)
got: {"hour": 10, "minute": 53}
